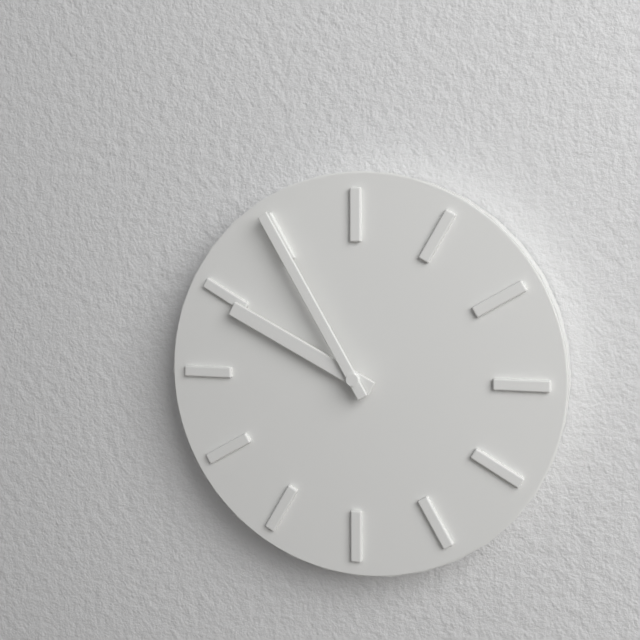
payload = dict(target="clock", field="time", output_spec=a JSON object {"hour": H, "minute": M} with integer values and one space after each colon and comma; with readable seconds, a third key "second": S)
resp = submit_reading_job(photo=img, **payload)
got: {"hour": 9, "minute": 55}
